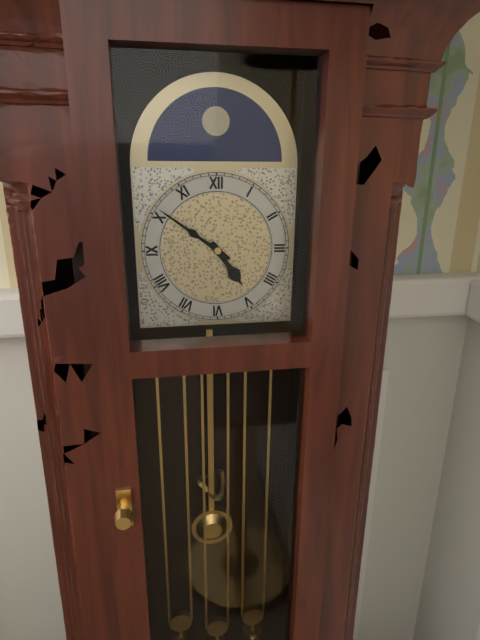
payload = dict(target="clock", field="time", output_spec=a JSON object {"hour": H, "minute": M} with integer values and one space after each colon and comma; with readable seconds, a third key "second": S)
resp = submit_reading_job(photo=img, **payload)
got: {"hour": 4, "minute": 51}
